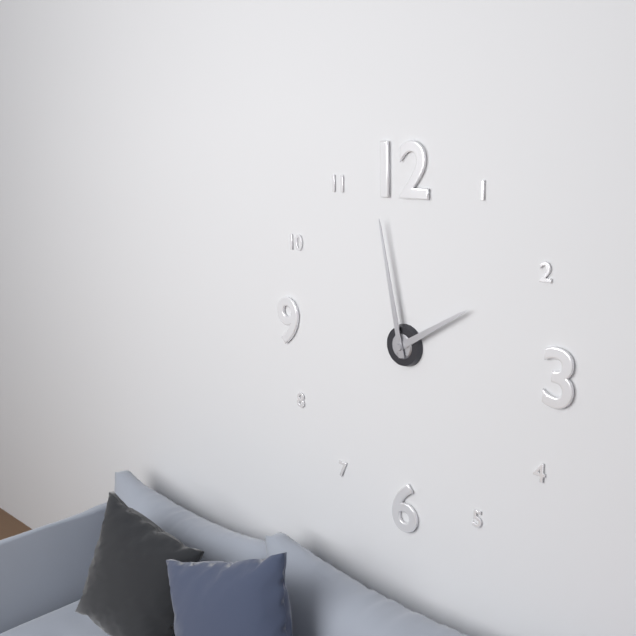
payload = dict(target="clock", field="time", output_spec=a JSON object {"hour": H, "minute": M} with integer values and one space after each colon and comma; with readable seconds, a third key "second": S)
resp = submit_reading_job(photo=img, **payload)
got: {"hour": 1, "minute": 58}
